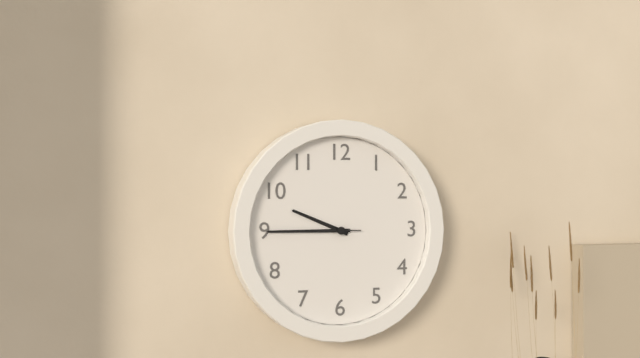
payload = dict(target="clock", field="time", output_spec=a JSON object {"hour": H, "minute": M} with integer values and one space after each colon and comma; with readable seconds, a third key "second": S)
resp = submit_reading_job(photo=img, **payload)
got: {"hour": 9, "minute": 45, "second": 45}
